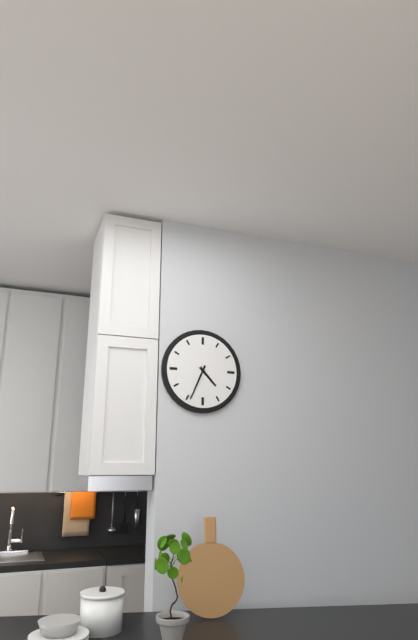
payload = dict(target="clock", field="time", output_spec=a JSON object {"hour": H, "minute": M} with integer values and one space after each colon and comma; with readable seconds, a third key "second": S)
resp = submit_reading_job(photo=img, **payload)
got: {"hour": 4, "minute": 34}
